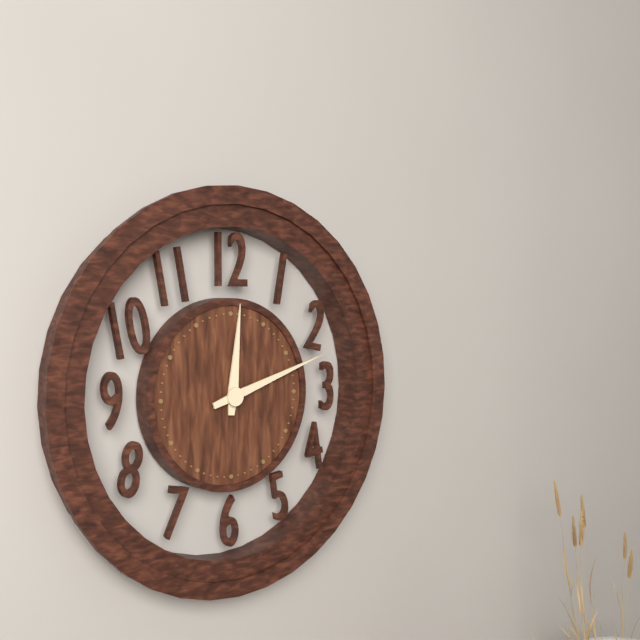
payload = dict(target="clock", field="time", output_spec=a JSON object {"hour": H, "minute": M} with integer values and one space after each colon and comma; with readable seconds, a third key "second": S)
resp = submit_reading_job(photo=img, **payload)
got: {"hour": 12, "minute": 12}
